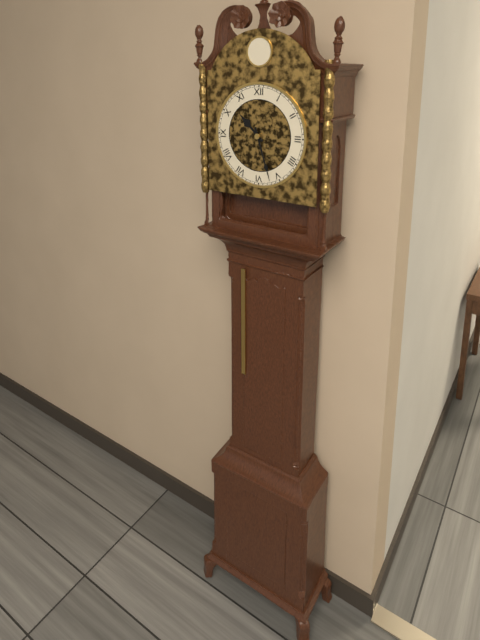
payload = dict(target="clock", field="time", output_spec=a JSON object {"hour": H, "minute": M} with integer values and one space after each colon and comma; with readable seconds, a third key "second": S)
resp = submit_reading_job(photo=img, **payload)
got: {"hour": 10, "minute": 27}
